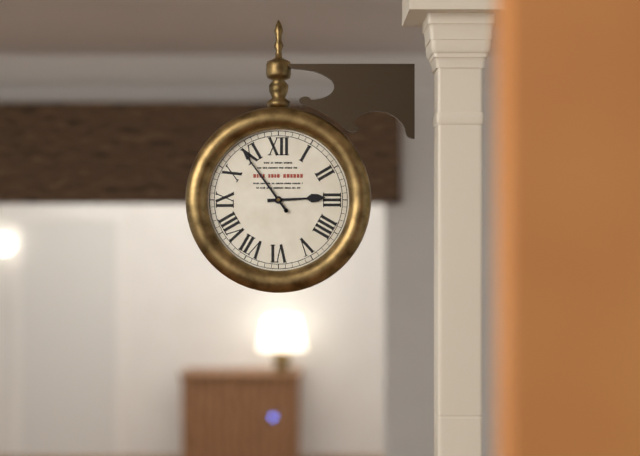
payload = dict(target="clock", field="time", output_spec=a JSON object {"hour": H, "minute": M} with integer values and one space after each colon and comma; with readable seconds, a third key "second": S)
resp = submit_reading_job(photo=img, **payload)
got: {"hour": 2, "minute": 54}
